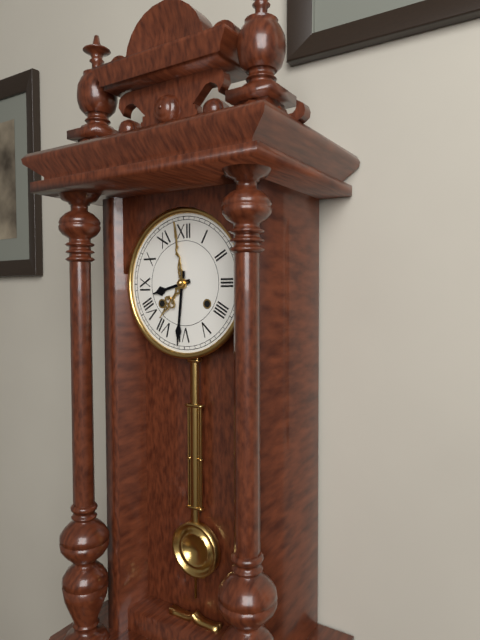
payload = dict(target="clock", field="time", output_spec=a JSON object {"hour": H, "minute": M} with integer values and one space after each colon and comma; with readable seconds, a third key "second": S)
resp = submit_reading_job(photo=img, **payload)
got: {"hour": 8, "minute": 31}
